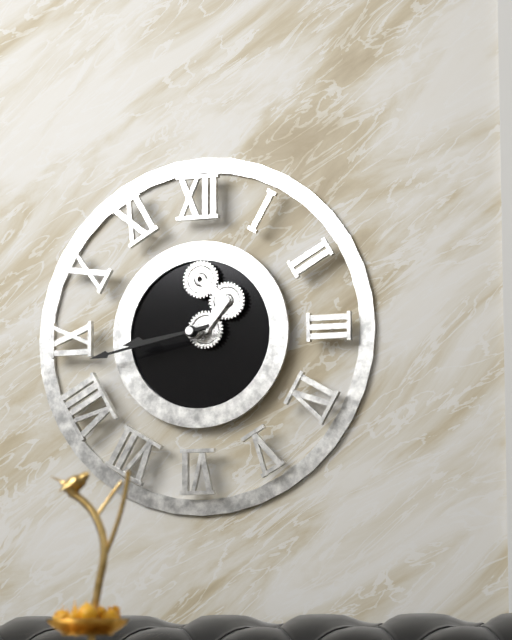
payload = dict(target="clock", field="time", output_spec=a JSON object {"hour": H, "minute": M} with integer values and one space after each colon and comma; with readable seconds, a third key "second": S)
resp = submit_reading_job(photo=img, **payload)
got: {"hour": 8, "minute": 43}
